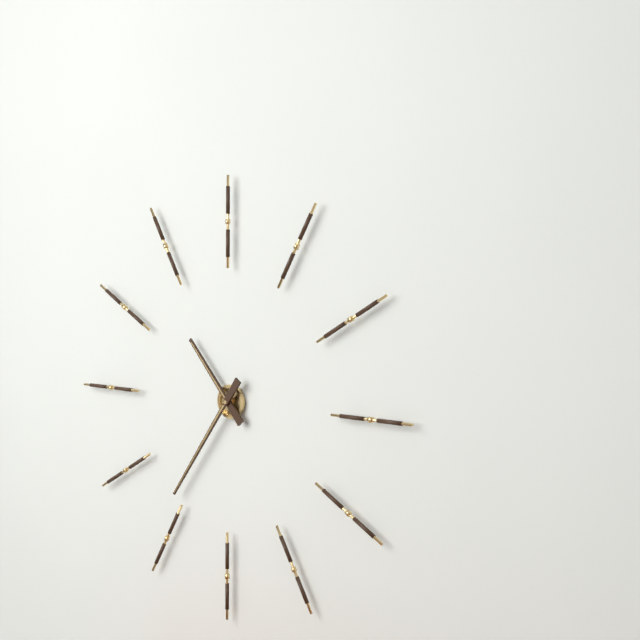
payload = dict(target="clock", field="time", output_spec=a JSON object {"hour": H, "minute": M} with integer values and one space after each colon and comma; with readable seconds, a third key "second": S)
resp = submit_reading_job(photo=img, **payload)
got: {"hour": 10, "minute": 36}
